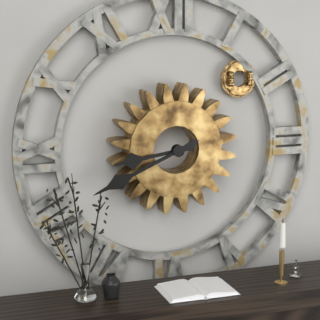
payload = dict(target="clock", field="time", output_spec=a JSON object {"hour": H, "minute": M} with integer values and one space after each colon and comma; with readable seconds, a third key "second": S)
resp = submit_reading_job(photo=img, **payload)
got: {"hour": 8, "minute": 41}
